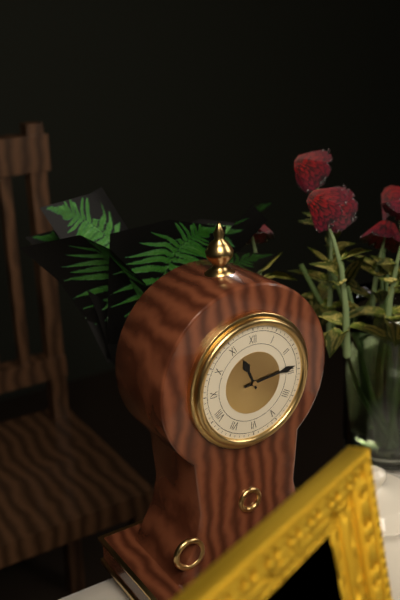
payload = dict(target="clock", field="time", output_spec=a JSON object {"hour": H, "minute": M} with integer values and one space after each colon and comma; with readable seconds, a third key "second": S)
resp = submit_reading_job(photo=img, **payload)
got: {"hour": 11, "minute": 14}
